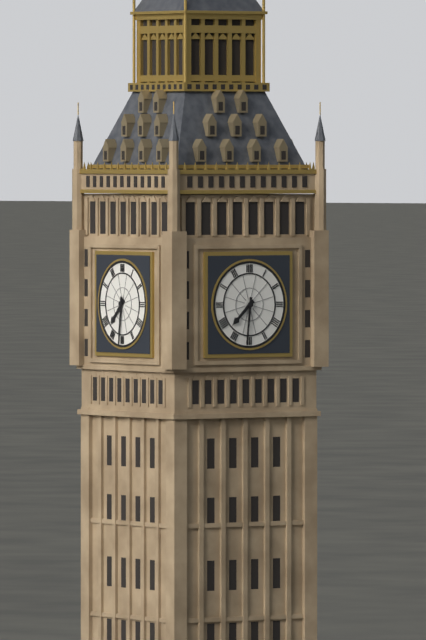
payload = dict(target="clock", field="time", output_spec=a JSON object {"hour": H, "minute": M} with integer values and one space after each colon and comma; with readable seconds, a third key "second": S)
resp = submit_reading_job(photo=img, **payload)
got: {"hour": 7, "minute": 31}
